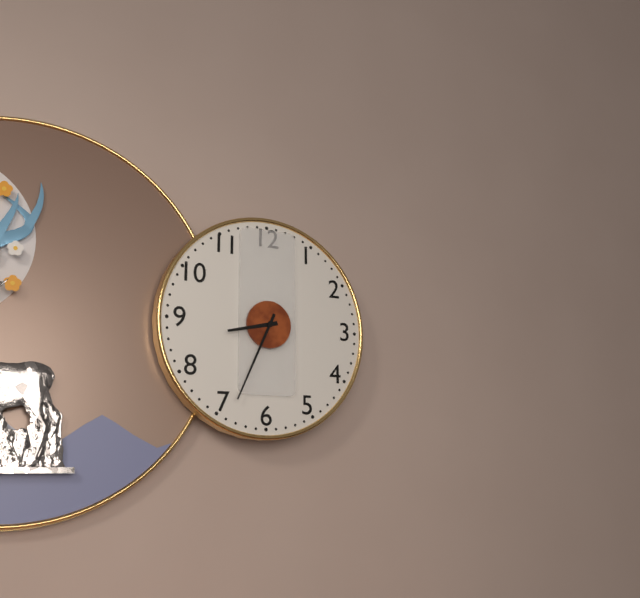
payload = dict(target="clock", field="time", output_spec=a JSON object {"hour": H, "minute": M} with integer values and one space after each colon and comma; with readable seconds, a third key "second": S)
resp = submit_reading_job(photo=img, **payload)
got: {"hour": 8, "minute": 34}
